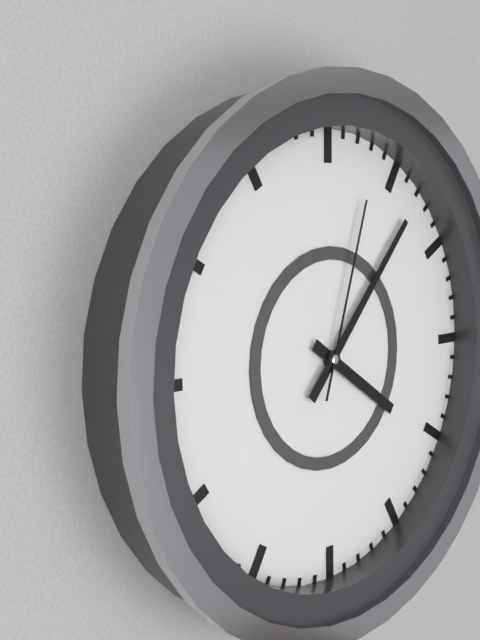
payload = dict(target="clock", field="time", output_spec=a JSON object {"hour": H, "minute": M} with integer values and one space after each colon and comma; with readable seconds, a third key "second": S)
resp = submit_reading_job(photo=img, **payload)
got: {"hour": 4, "minute": 7, "second": 3}
